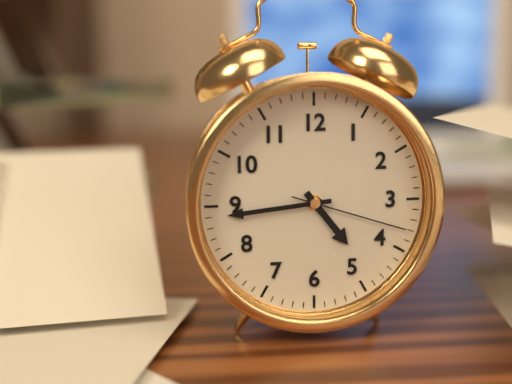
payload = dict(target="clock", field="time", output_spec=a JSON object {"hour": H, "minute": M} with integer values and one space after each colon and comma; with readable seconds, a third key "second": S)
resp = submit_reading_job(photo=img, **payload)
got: {"hour": 4, "minute": 44, "second": 18}
